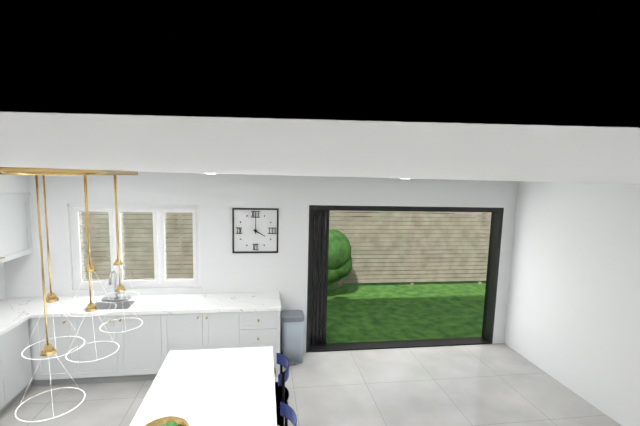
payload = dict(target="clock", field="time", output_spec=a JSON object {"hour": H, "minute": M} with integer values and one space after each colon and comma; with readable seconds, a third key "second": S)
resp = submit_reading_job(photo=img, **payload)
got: {"hour": 4, "minute": 0}
